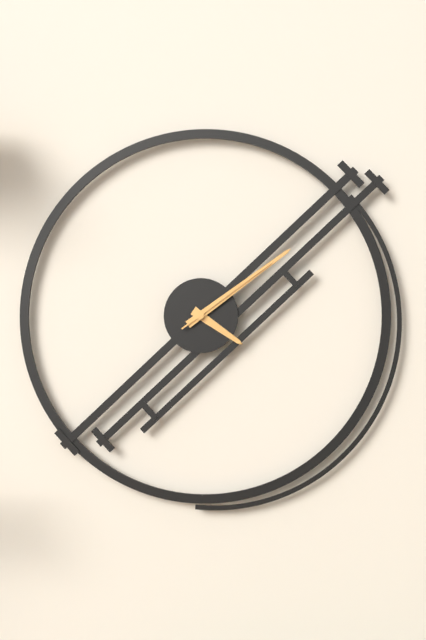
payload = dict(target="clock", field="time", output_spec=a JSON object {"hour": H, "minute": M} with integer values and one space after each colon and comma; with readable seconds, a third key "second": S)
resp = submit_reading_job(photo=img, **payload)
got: {"hour": 4, "minute": 9, "second": 9}
